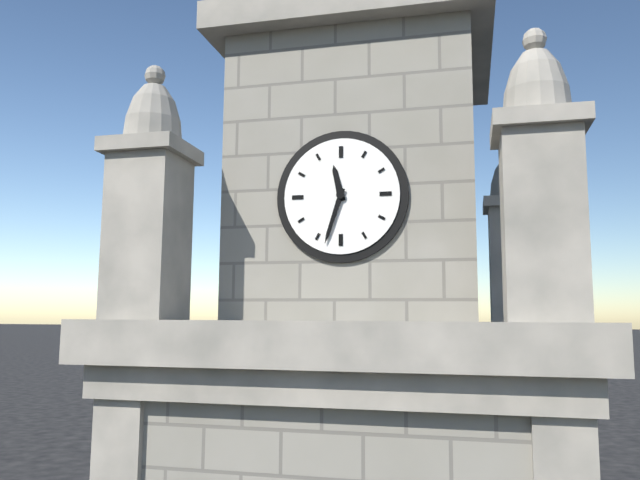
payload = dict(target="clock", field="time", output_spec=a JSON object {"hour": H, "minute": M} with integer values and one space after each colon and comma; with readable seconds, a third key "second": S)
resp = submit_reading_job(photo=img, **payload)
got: {"hour": 11, "minute": 33}
